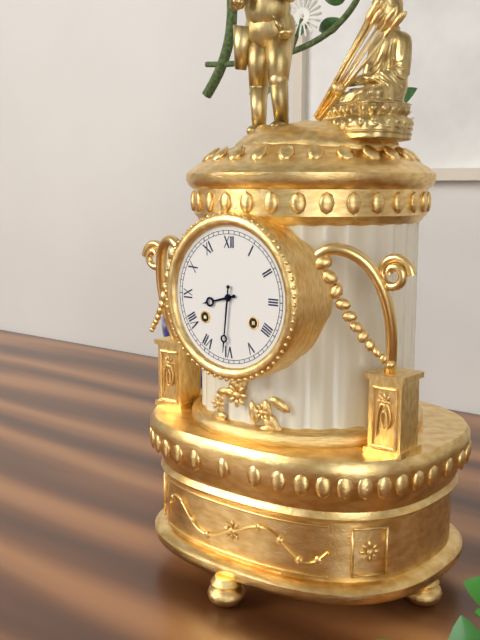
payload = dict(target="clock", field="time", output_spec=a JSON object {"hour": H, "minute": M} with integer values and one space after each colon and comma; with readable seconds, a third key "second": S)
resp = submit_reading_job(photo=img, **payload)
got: {"hour": 8, "minute": 31}
